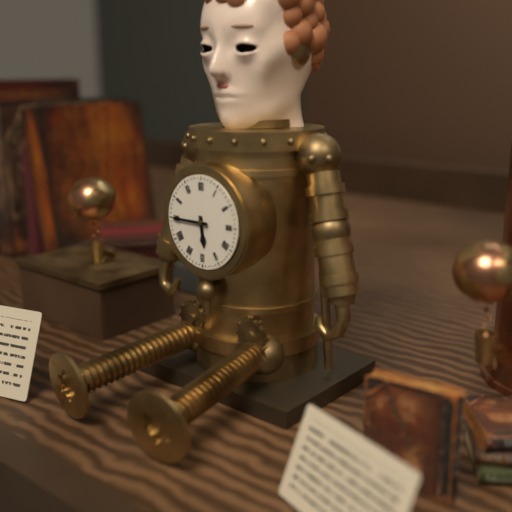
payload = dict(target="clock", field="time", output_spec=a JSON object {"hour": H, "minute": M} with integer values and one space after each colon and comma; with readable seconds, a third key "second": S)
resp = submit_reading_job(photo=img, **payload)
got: {"hour": 5, "minute": 45}
